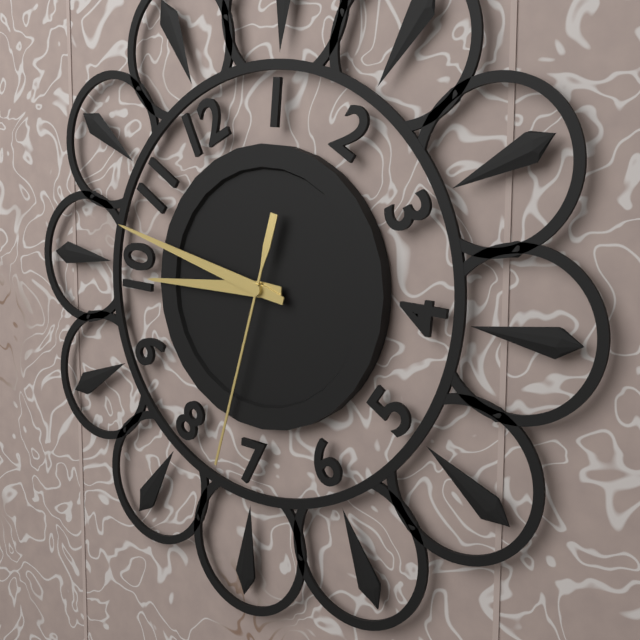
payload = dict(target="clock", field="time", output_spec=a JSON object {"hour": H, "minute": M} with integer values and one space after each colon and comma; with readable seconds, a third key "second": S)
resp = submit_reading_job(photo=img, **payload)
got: {"hour": 9, "minute": 52, "second": 37}
